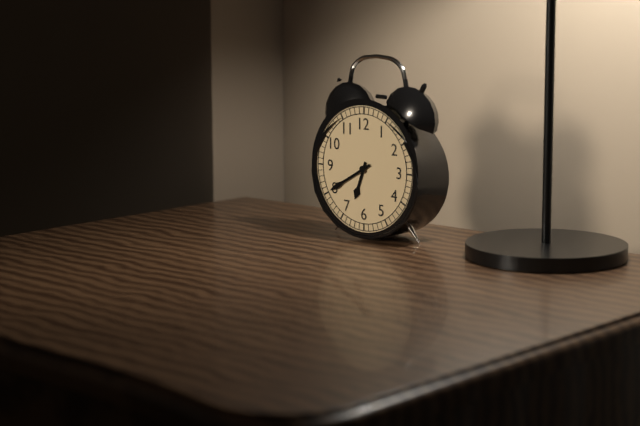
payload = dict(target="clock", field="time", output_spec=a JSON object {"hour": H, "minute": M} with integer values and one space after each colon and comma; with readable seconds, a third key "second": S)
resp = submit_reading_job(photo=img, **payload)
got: {"hour": 6, "minute": 40}
